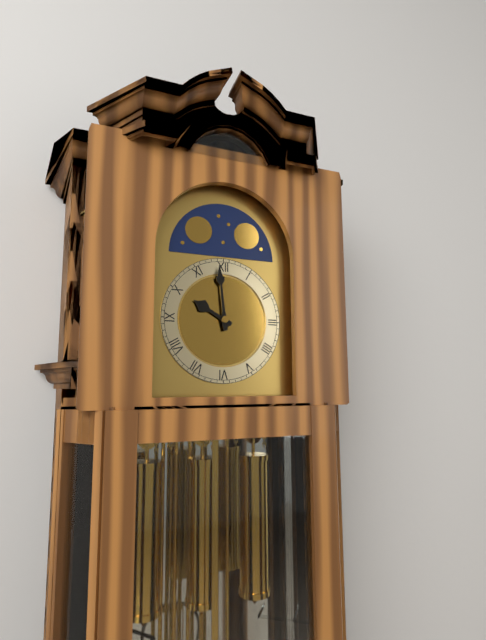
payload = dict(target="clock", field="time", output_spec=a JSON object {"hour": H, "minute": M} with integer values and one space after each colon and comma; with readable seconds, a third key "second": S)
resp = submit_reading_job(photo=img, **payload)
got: {"hour": 9, "minute": 59}
